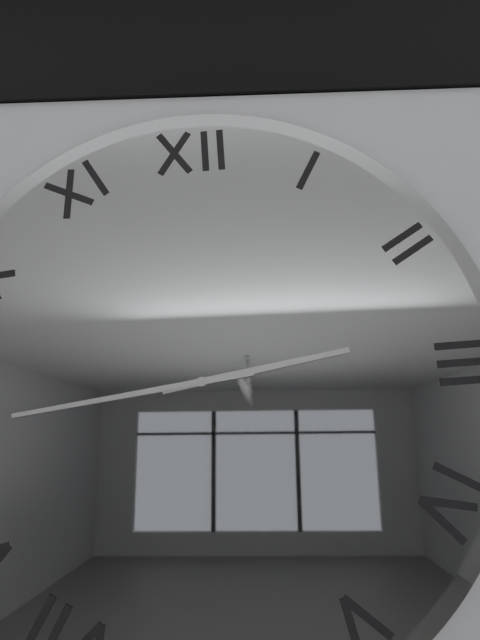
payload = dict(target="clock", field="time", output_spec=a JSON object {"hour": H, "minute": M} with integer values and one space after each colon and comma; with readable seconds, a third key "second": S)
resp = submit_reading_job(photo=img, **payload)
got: {"hour": 2, "minute": 44}
